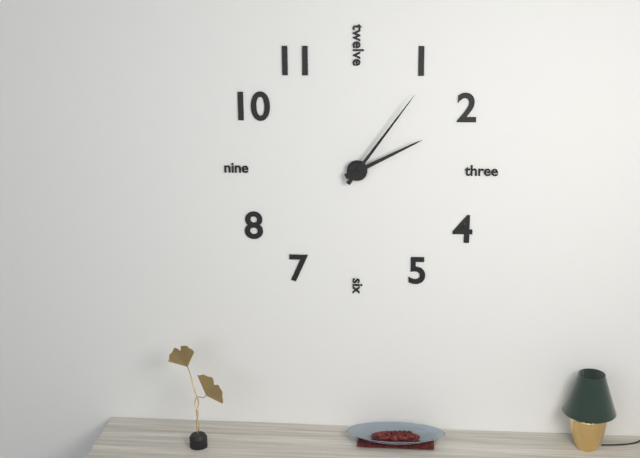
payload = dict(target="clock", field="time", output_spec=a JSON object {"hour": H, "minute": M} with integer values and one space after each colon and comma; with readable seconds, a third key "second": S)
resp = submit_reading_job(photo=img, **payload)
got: {"hour": 2, "minute": 6}
